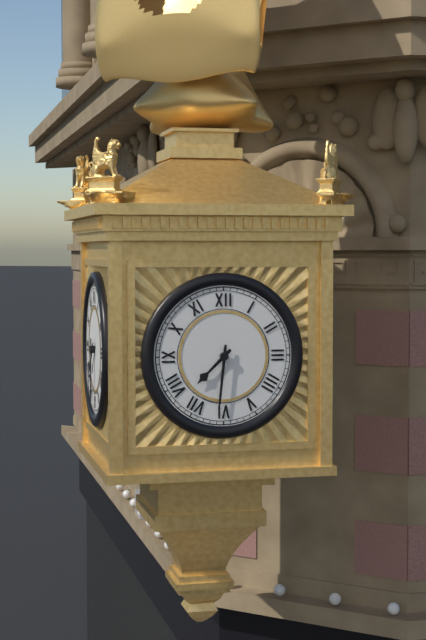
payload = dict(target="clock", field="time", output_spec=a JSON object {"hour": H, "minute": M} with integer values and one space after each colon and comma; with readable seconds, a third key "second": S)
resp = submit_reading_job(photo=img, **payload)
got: {"hour": 7, "minute": 31}
